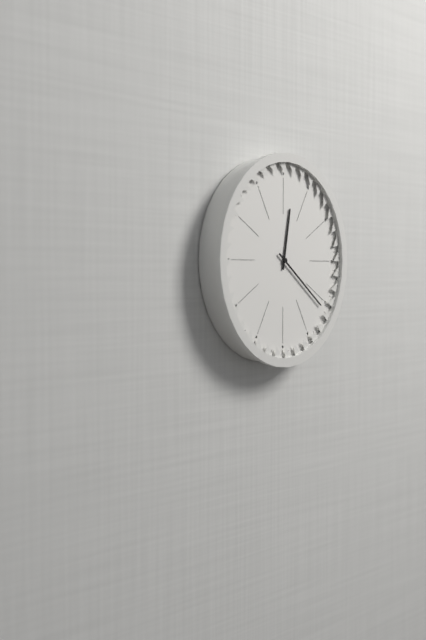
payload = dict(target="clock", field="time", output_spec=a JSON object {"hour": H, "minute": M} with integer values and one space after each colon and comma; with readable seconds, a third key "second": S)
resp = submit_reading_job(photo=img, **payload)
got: {"hour": 12, "minute": 21}
